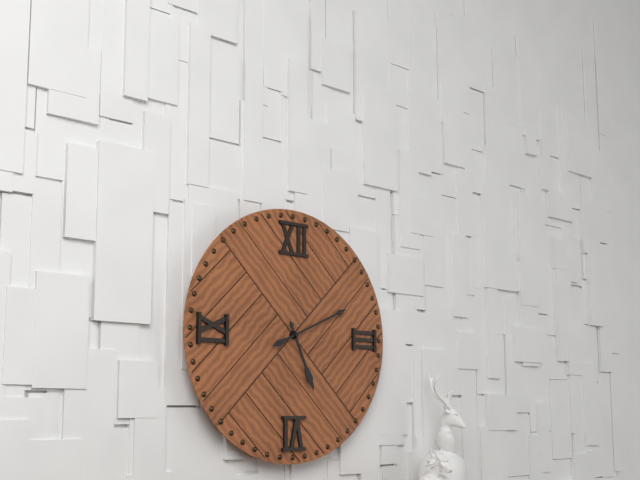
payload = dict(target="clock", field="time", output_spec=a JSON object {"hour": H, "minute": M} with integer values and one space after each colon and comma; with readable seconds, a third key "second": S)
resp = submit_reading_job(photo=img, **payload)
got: {"hour": 5, "minute": 11}
